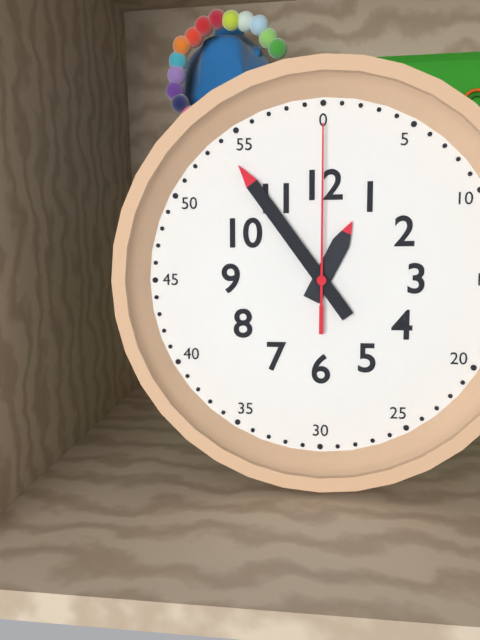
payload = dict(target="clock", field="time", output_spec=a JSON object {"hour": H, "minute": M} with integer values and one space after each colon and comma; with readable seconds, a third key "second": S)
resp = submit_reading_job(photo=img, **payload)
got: {"hour": 12, "minute": 54, "second": 0}
